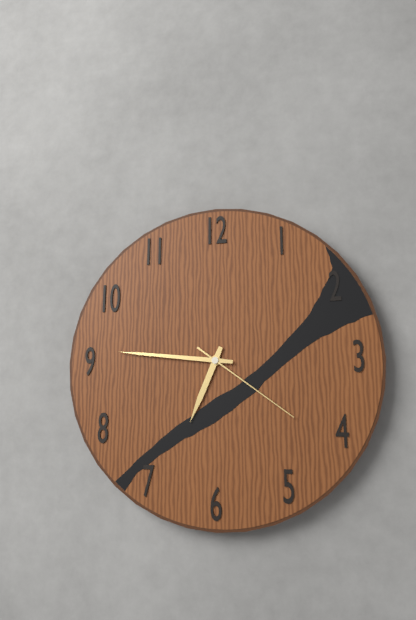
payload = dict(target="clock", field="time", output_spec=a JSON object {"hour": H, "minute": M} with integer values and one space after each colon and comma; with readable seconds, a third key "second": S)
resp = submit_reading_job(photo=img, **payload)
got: {"hour": 6, "minute": 46, "second": 21}
